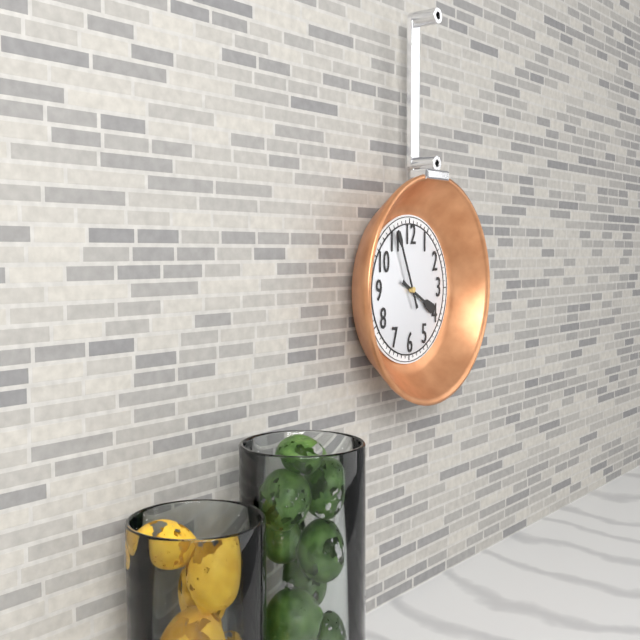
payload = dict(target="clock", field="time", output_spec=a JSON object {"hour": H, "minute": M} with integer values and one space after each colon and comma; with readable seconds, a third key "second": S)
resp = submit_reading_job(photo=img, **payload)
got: {"hour": 3, "minute": 56}
